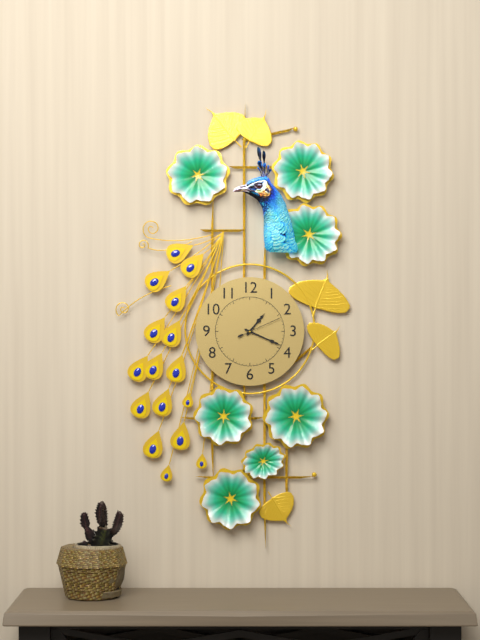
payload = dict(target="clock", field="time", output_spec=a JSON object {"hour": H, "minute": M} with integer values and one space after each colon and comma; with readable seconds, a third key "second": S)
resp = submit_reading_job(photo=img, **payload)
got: {"hour": 1, "minute": 19}
